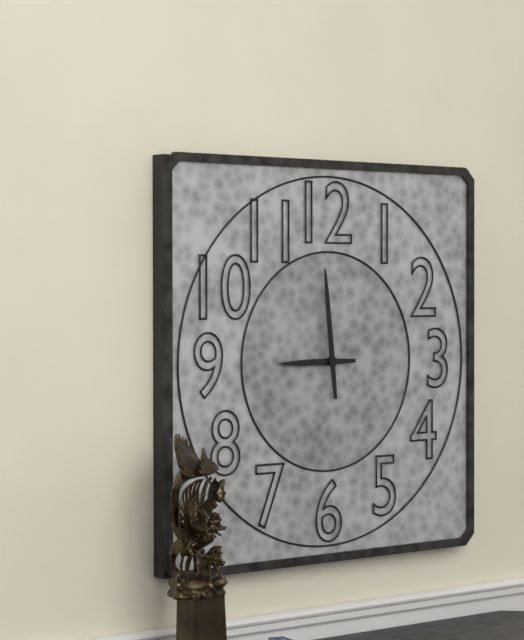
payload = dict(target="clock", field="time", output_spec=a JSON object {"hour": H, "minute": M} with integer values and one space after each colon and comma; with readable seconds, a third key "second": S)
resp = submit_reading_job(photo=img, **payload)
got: {"hour": 8, "minute": 59}
